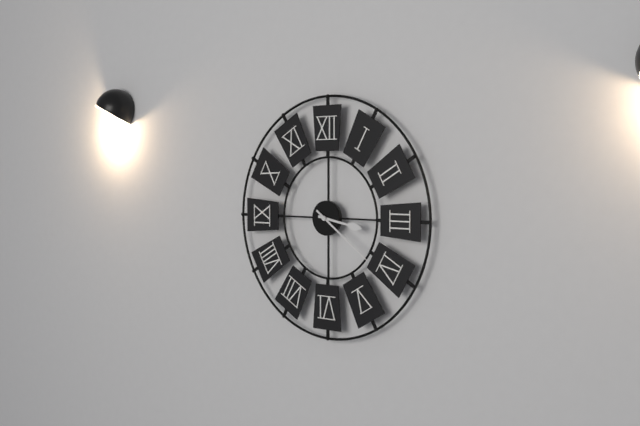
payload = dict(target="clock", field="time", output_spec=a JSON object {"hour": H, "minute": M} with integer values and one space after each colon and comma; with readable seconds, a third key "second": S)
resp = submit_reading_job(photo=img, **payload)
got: {"hour": 3, "minute": 21}
